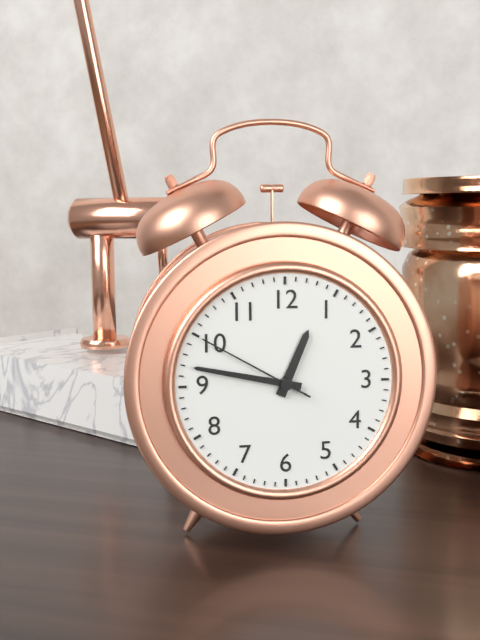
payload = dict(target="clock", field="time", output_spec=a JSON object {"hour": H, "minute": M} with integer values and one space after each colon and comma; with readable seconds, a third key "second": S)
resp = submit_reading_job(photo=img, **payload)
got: {"hour": 12, "minute": 47, "second": 50}
